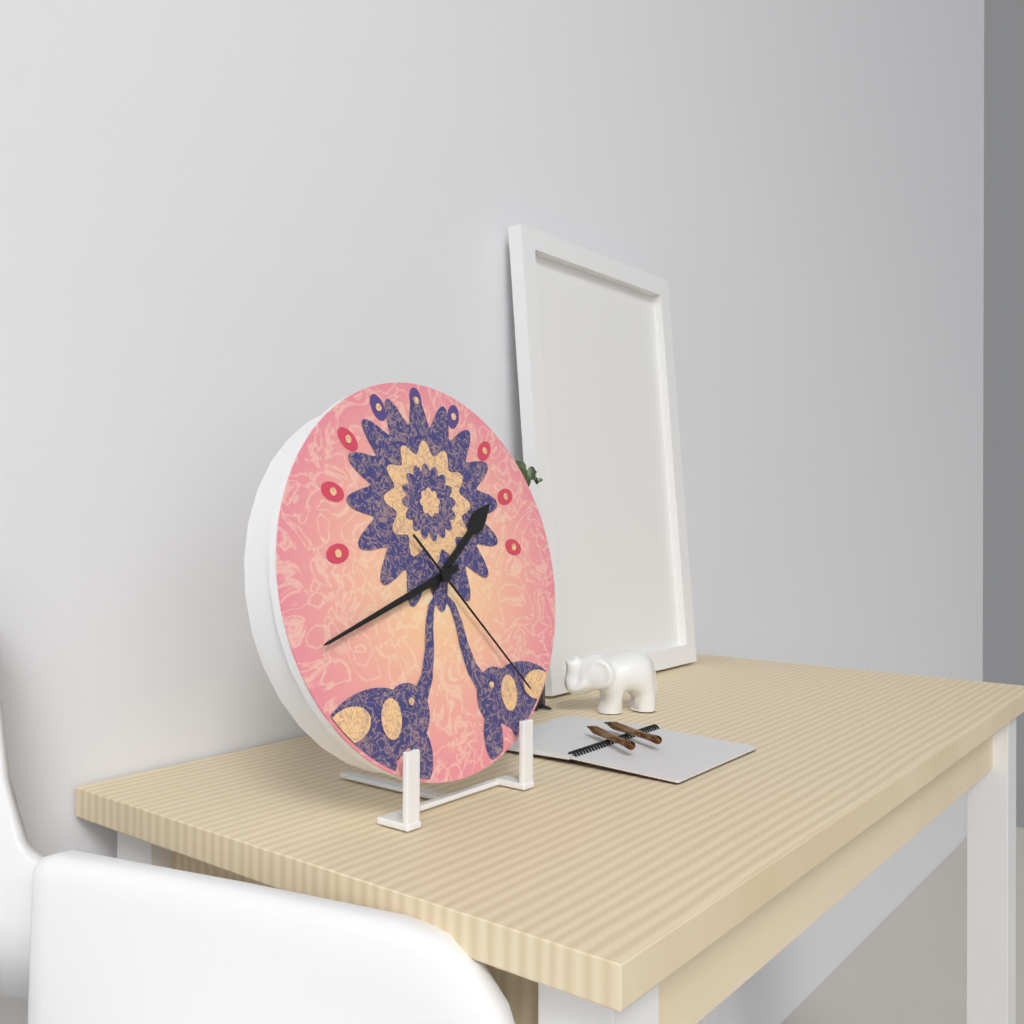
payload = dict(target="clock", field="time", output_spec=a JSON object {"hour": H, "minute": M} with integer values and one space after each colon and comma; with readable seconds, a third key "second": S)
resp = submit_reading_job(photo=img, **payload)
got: {"hour": 1, "minute": 42, "second": 23}
